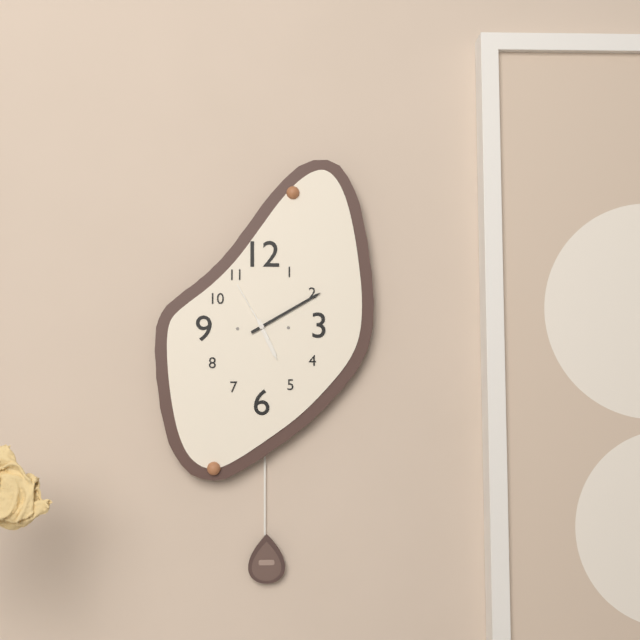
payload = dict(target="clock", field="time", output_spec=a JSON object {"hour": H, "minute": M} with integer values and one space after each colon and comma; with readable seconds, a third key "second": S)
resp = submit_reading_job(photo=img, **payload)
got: {"hour": 5, "minute": 10, "second": 55}
